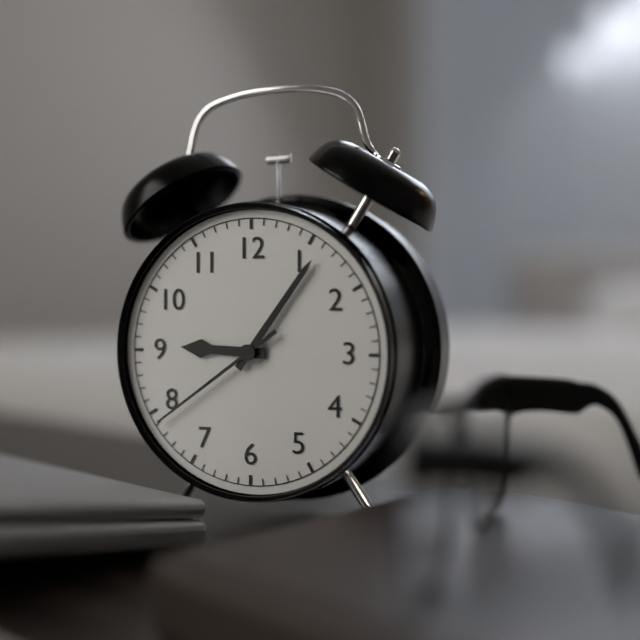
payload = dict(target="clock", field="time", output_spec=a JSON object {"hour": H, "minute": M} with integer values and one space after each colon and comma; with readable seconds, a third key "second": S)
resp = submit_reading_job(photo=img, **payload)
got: {"hour": 9, "minute": 6, "second": 39}
